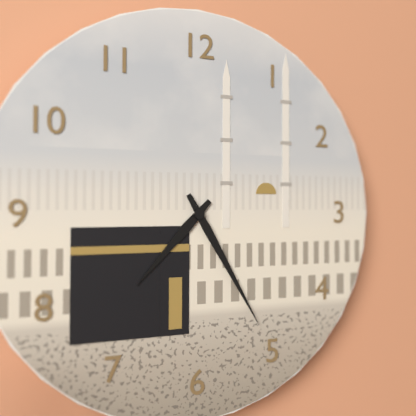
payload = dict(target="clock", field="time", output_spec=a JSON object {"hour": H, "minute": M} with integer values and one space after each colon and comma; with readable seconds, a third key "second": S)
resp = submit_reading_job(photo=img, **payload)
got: {"hour": 7, "minute": 25}
